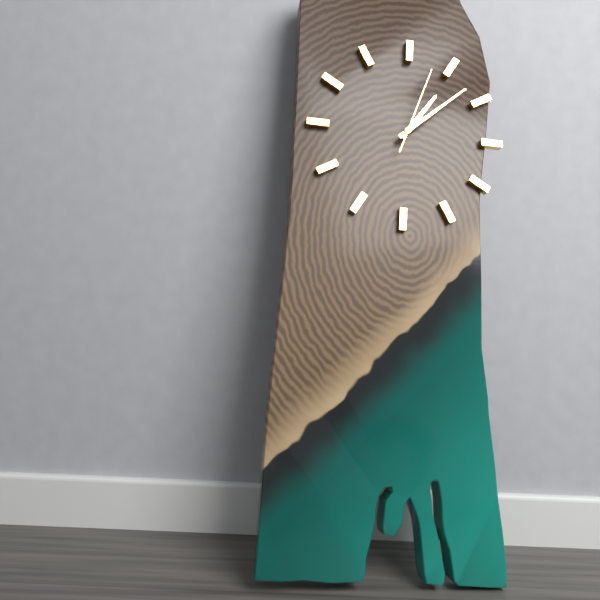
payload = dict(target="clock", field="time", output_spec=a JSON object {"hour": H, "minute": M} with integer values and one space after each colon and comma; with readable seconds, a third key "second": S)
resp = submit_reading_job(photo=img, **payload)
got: {"hour": 1, "minute": 8, "second": 3}
